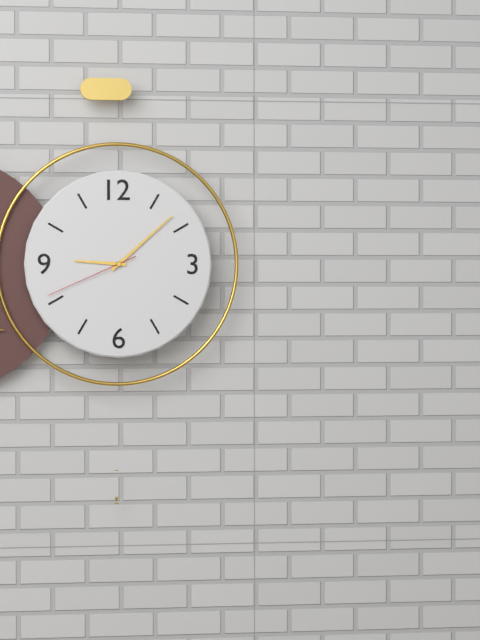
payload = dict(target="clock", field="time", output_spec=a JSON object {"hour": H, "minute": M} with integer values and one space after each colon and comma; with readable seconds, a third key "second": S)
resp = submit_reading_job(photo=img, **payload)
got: {"hour": 9, "minute": 8, "second": 41}
